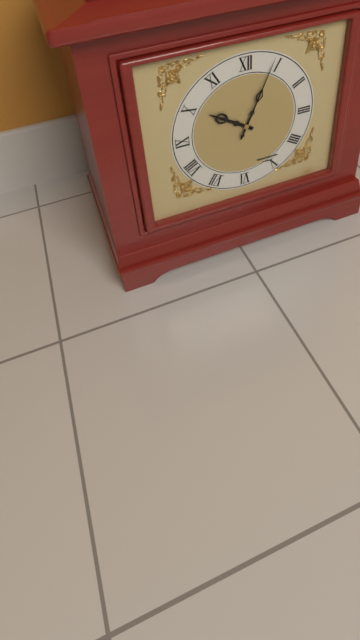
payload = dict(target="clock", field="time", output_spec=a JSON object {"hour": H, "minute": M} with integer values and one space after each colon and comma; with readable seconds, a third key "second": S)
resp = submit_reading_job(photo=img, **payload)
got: {"hour": 10, "minute": 4}
